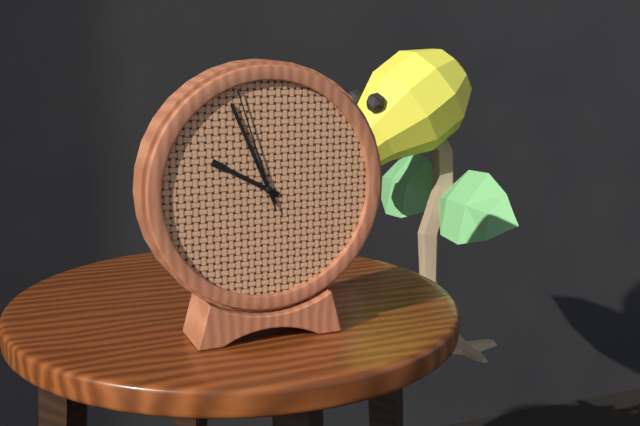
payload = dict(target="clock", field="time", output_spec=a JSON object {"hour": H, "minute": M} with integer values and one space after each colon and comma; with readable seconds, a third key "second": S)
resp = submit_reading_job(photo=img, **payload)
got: {"hour": 9, "minute": 56, "second": 57}
